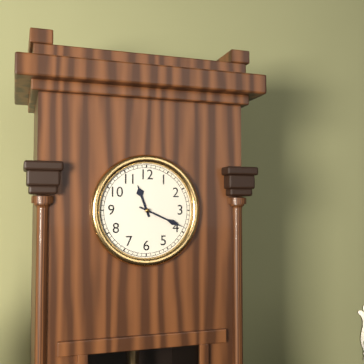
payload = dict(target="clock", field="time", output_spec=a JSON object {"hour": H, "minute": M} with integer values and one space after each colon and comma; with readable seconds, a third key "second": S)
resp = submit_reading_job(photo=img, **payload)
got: {"hour": 11, "minute": 19}
